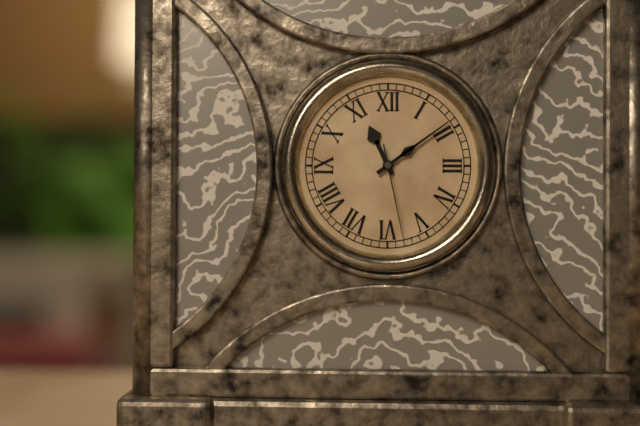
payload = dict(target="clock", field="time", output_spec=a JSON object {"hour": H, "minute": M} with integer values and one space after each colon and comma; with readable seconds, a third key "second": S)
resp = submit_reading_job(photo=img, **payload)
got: {"hour": 11, "minute": 9, "second": 28}
